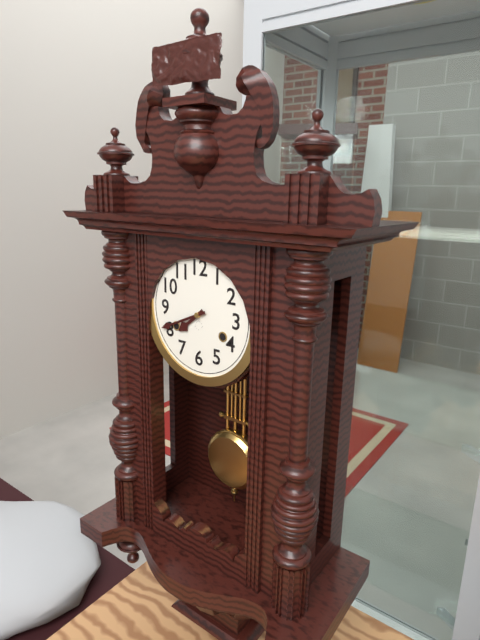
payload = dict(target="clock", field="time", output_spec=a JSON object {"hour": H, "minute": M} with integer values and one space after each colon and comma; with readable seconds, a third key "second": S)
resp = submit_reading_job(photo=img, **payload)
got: {"hour": 7, "minute": 41}
